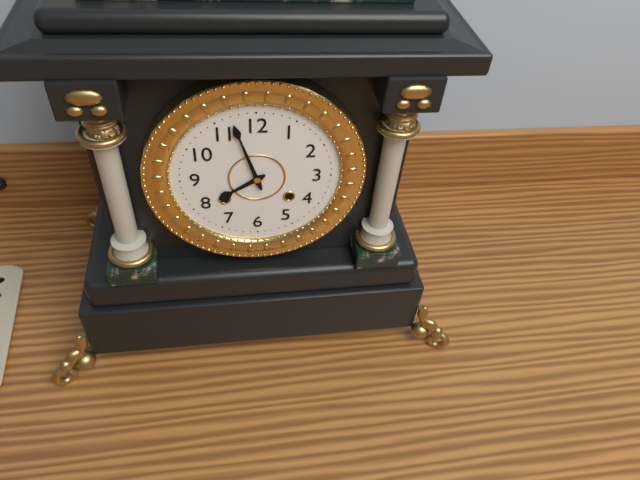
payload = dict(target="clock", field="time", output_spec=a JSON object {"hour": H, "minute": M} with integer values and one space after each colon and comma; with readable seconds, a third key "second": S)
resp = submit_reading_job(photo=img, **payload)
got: {"hour": 7, "minute": 57}
